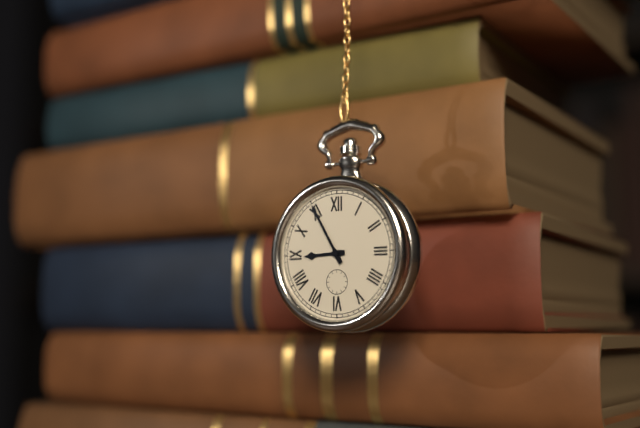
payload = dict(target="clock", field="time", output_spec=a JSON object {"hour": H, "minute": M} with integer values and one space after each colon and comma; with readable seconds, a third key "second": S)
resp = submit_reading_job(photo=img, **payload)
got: {"hour": 8, "minute": 55}
